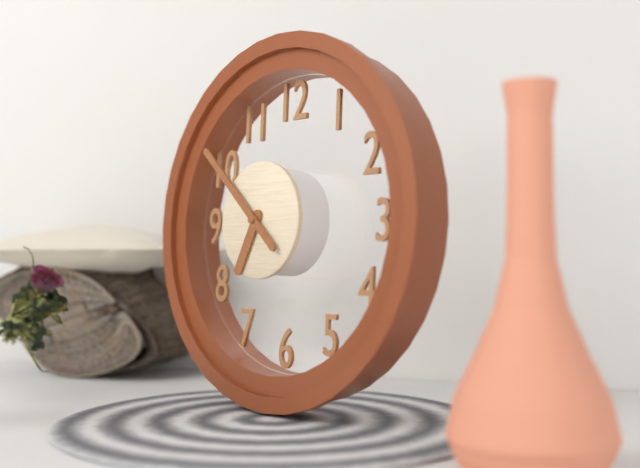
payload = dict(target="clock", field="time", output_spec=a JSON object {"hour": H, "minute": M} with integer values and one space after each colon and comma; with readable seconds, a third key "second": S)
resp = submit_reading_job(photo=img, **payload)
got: {"hour": 6, "minute": 52}
